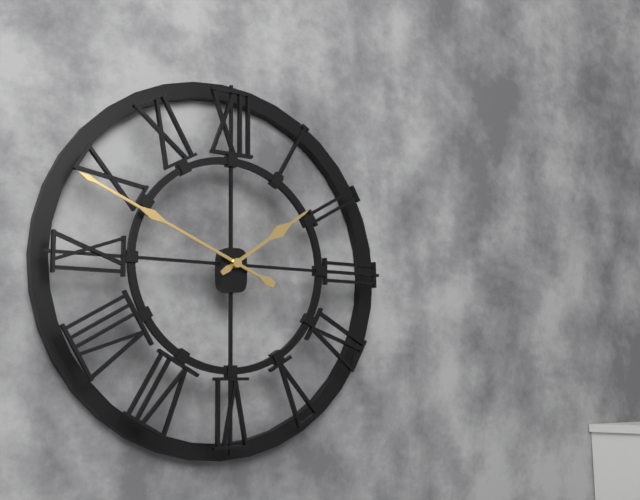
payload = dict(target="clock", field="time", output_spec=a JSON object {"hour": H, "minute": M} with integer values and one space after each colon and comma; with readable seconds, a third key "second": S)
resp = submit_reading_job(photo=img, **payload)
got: {"hour": 1, "minute": 49}
